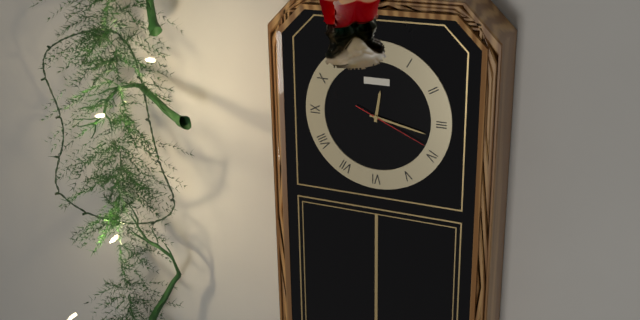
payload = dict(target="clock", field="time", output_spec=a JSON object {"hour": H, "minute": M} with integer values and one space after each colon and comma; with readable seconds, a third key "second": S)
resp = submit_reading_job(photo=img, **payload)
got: {"hour": 12, "minute": 17, "second": 19}
